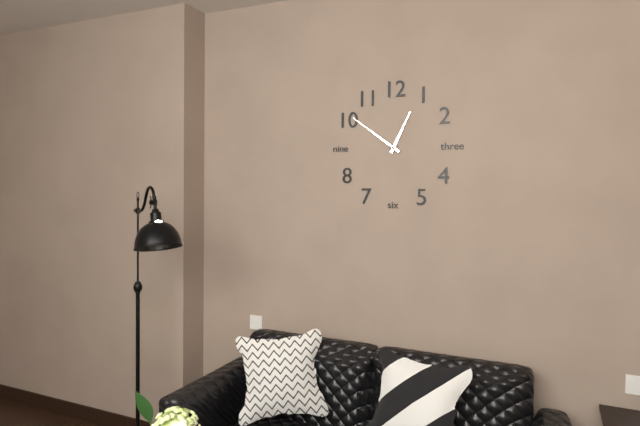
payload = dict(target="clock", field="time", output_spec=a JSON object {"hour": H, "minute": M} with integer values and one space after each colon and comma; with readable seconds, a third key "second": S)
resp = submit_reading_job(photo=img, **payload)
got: {"hour": 12, "minute": 51}
